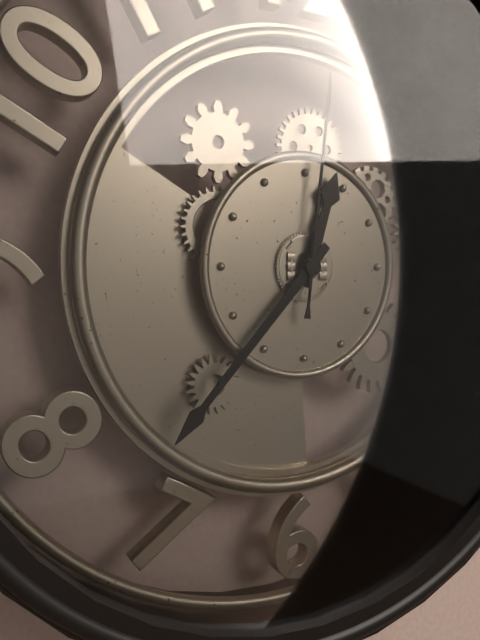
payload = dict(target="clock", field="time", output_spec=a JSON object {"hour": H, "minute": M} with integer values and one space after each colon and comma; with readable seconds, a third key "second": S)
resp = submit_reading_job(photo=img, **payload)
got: {"hour": 12, "minute": 37, "second": 1}
